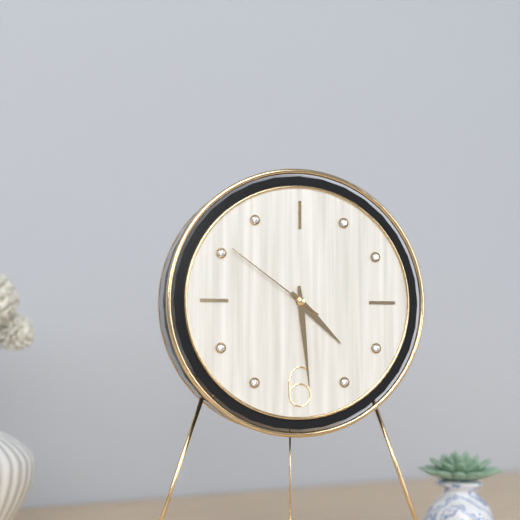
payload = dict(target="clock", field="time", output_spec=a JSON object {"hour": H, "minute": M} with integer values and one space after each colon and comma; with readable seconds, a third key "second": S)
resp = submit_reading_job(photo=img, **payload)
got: {"hour": 4, "minute": 29, "second": 51}
